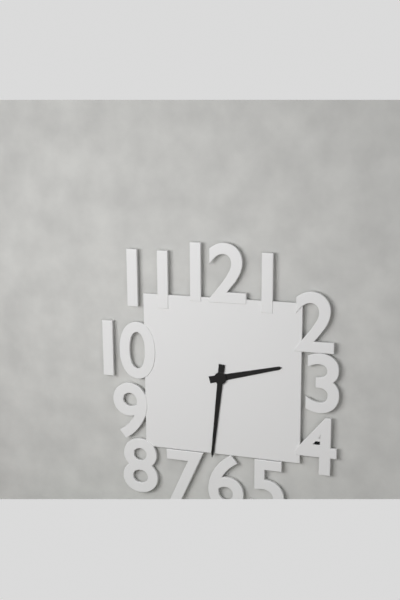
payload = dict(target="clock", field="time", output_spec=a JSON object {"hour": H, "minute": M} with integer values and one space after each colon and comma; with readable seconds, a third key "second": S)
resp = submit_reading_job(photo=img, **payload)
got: {"hour": 2, "minute": 31}
